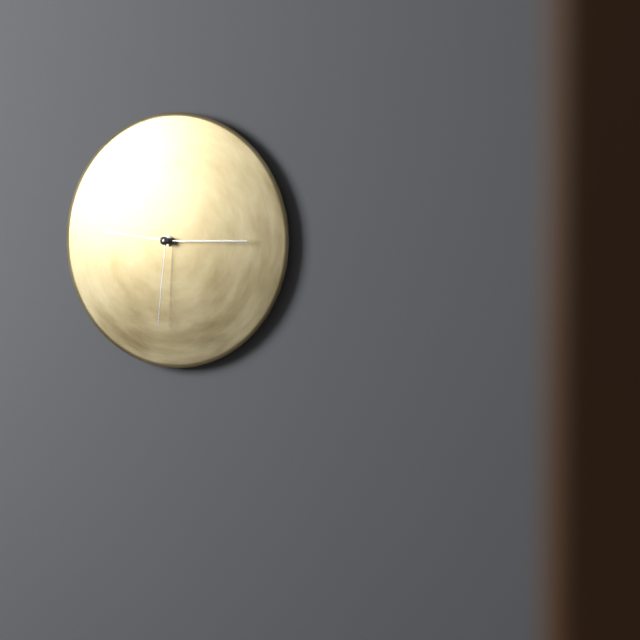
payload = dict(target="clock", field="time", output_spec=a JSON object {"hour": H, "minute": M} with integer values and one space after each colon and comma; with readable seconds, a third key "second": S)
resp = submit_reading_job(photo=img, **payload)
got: {"hour": 9, "minute": 15, "second": 31}
